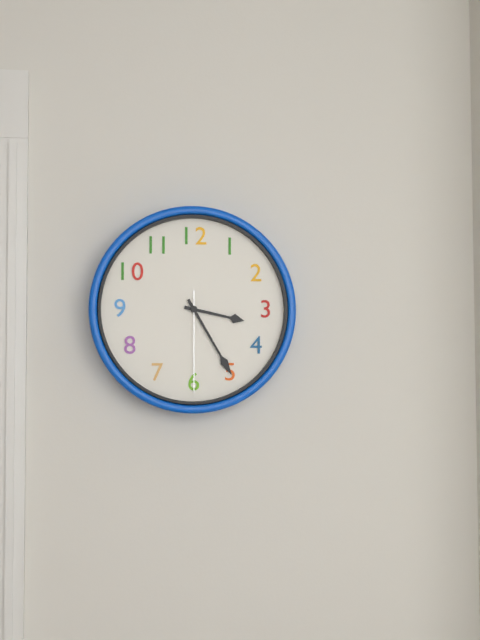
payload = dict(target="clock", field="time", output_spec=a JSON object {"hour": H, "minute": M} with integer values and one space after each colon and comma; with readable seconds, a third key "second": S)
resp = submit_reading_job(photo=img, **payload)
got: {"hour": 3, "minute": 25, "second": 30}
